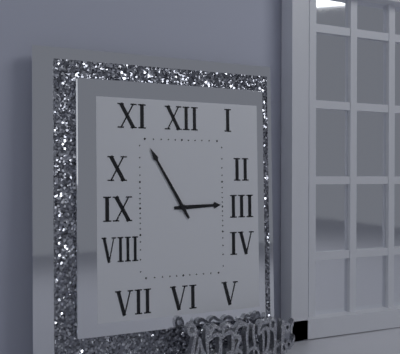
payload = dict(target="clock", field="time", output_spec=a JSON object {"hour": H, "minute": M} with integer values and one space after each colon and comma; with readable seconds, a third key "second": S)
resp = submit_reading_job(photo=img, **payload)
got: {"hour": 2, "minute": 55}
